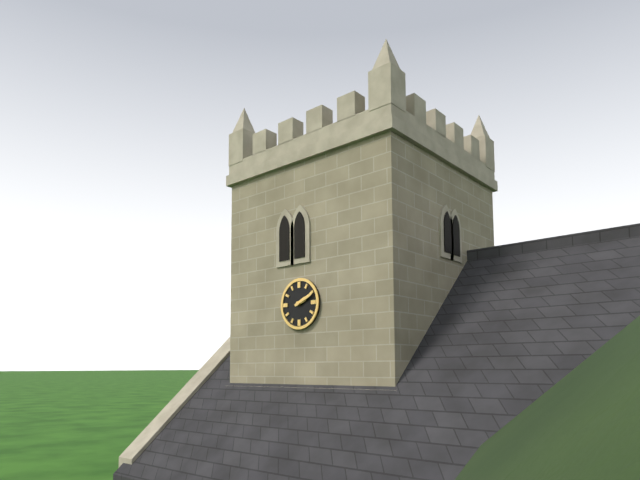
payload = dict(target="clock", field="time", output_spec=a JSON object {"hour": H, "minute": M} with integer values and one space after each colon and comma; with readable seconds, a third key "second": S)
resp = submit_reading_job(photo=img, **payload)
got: {"hour": 2, "minute": 11}
